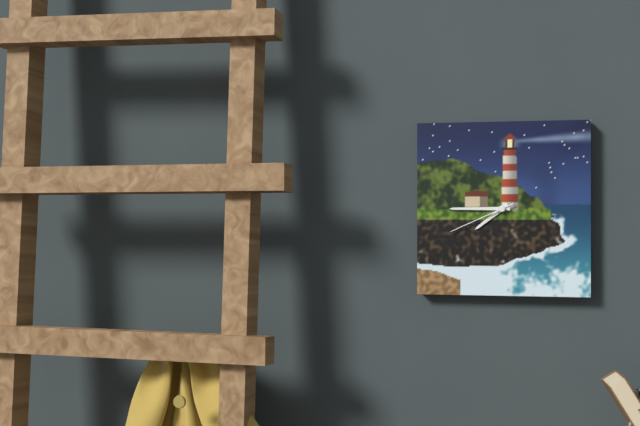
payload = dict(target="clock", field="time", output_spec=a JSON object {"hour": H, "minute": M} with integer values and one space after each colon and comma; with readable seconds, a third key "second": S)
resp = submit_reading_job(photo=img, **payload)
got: {"hour": 7, "minute": 45, "second": 41}
